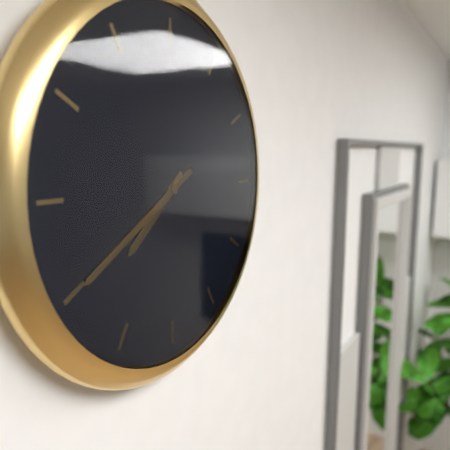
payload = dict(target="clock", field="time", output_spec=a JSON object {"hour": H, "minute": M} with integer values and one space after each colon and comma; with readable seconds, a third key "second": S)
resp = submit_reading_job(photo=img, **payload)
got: {"hour": 7, "minute": 40}
